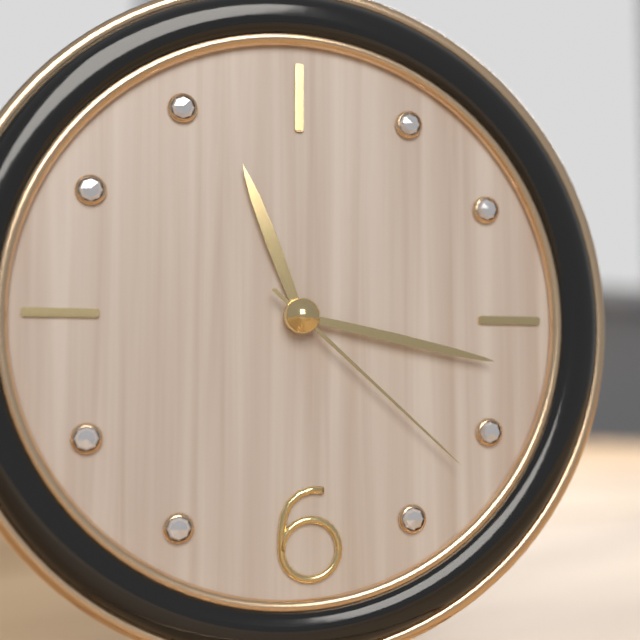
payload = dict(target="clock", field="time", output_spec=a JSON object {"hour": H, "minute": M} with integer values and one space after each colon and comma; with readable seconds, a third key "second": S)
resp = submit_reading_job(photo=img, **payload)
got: {"hour": 11, "minute": 17, "second": 22}
